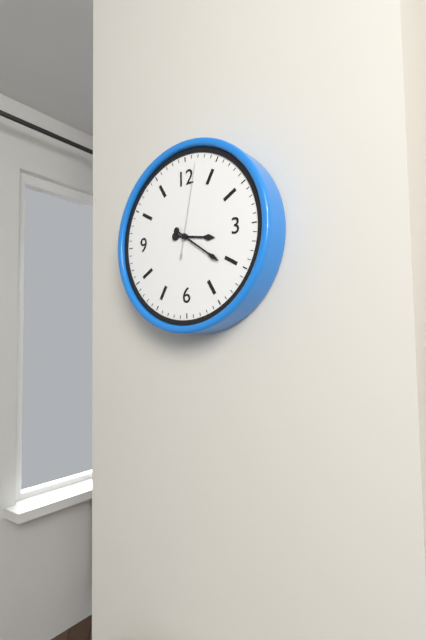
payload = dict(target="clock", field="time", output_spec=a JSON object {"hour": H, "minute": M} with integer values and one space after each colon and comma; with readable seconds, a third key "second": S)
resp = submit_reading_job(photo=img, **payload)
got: {"hour": 3, "minute": 21, "second": 2}
